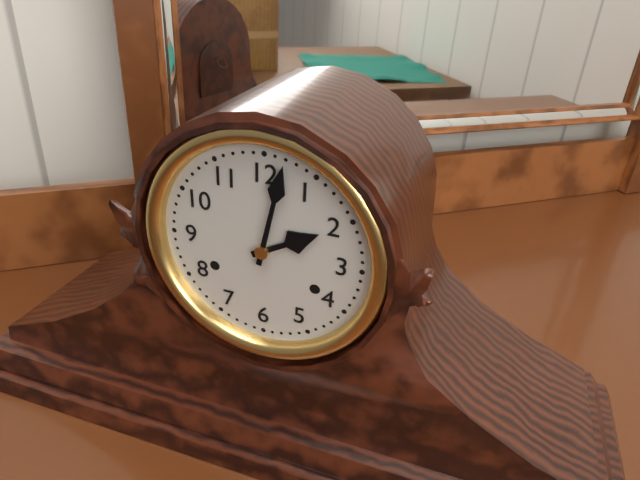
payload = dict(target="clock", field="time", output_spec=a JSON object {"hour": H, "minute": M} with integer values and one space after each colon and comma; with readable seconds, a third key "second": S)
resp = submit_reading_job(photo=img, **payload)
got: {"hour": 2, "minute": 2}
